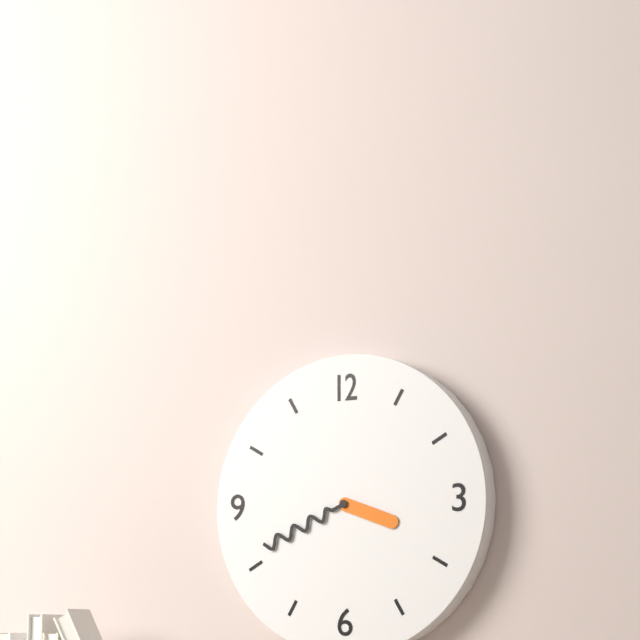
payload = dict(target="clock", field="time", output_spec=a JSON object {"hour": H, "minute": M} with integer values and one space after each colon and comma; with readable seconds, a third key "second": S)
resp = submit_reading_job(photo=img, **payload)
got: {"hour": 3, "minute": 41}
